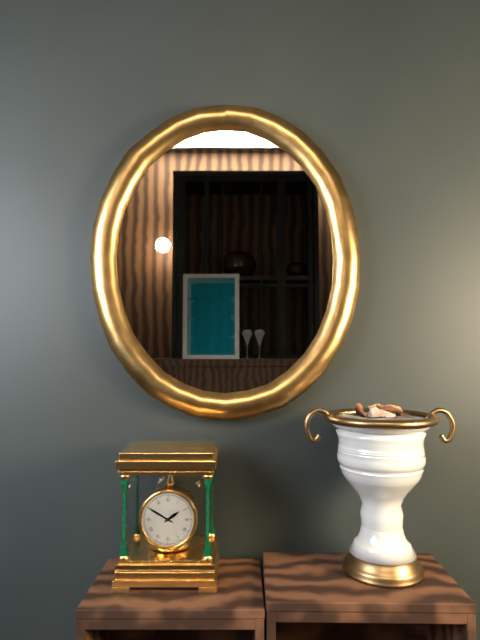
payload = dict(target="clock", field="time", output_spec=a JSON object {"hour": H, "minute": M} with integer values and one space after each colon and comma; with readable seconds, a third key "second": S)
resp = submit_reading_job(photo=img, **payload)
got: {"hour": 1, "minute": 50}
